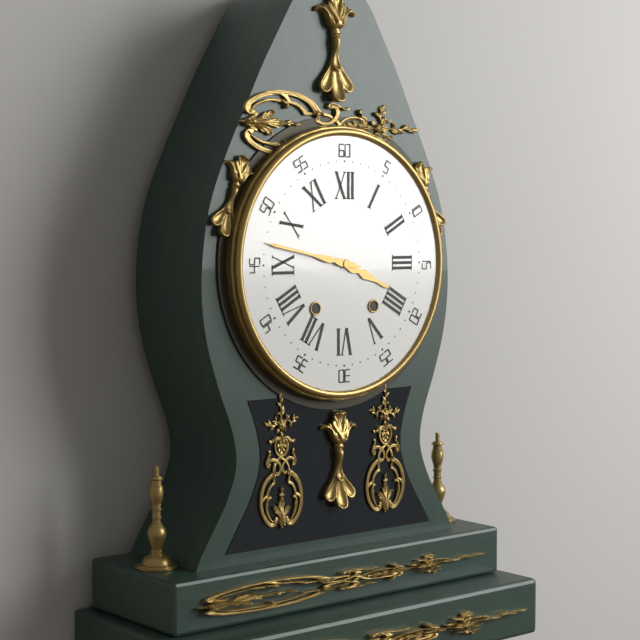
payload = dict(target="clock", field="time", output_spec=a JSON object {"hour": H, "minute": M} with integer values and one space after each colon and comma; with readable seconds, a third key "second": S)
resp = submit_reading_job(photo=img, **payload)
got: {"hour": 3, "minute": 47}
